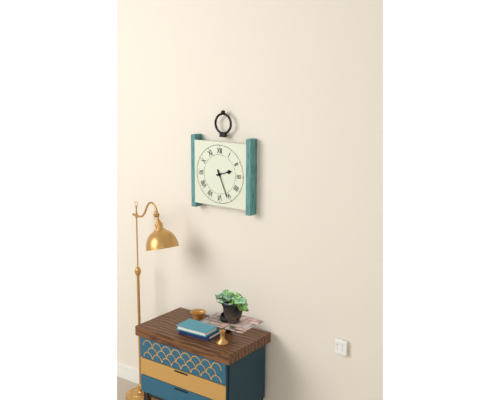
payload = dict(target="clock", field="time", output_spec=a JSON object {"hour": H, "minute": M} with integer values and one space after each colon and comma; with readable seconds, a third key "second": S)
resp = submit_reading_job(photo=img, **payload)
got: {"hour": 2, "minute": 26}
